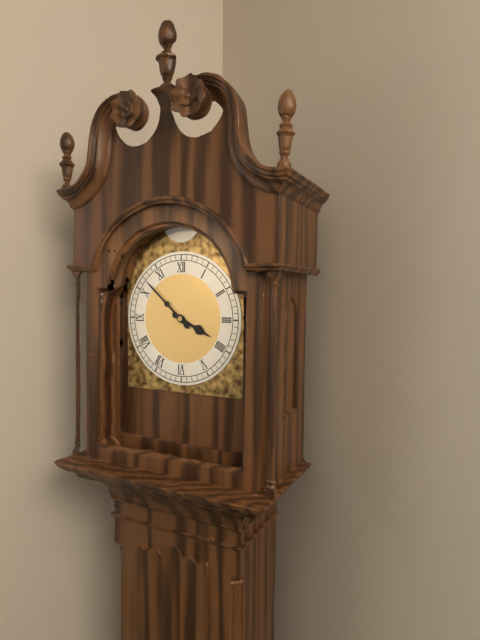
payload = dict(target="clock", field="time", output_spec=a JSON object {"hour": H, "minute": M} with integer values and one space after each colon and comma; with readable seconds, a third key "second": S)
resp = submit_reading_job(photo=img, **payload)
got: {"hour": 3, "minute": 52}
